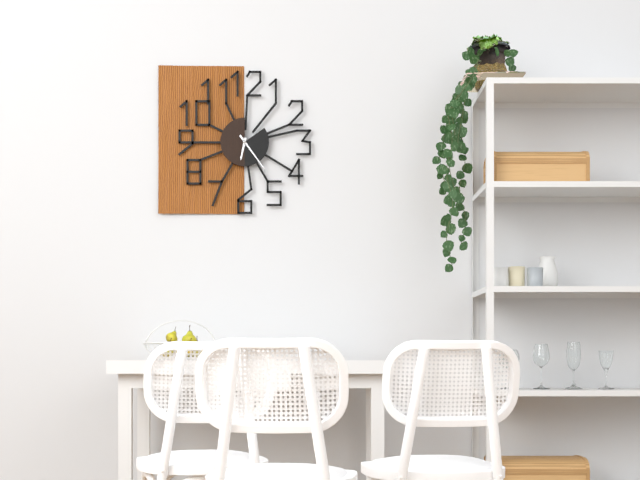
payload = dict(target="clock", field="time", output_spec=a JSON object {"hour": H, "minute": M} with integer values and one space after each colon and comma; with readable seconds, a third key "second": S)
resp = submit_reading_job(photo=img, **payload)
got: {"hour": 6, "minute": 24}
